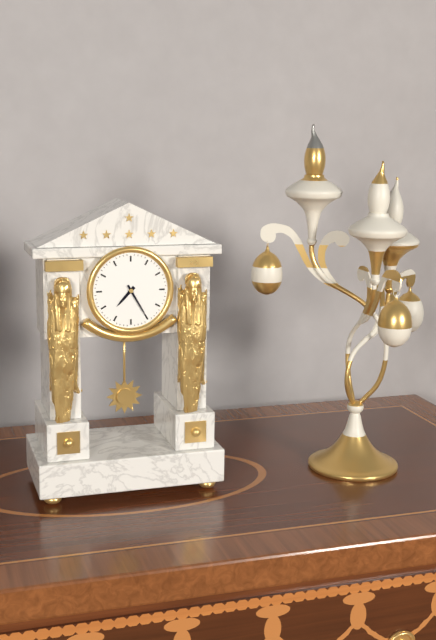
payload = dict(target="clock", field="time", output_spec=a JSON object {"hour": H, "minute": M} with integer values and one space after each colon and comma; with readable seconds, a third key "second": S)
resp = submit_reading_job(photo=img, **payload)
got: {"hour": 7, "minute": 25}
